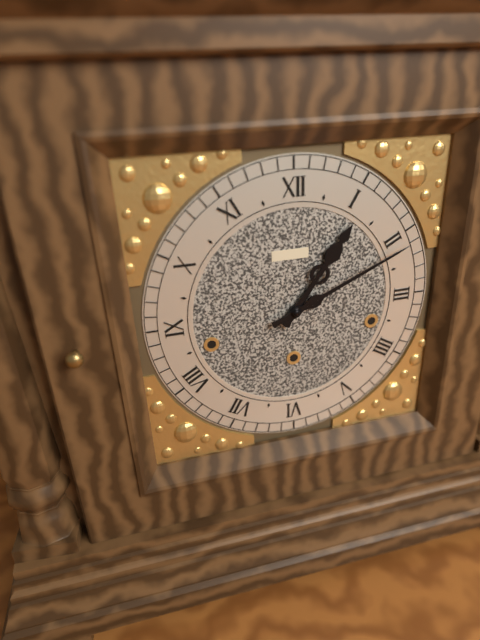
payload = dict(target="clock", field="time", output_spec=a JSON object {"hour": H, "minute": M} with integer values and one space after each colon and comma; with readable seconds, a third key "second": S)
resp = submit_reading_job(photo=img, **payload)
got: {"hour": 1, "minute": 11}
